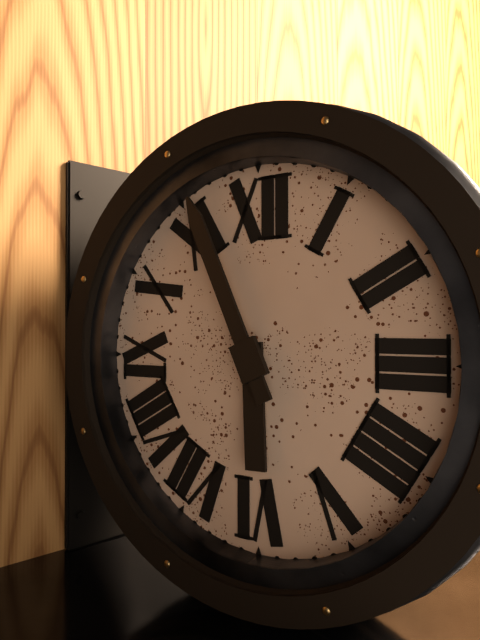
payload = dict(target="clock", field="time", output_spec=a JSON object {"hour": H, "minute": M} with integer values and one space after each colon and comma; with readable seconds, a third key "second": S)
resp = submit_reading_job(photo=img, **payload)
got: {"hour": 5, "minute": 56}
